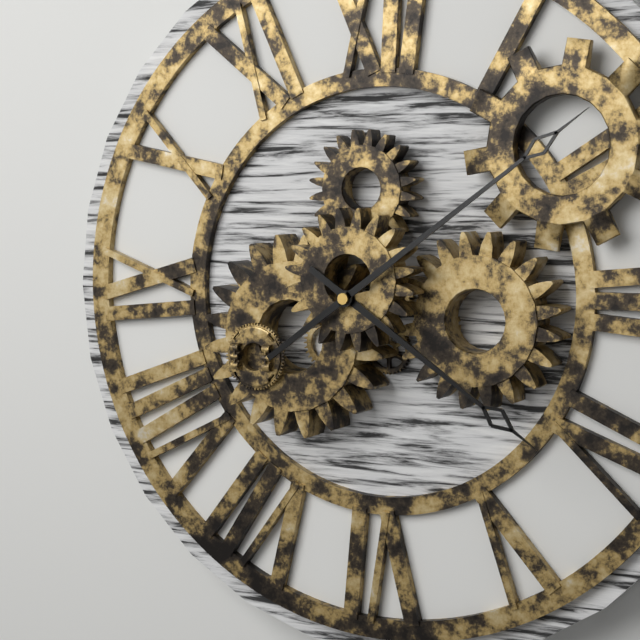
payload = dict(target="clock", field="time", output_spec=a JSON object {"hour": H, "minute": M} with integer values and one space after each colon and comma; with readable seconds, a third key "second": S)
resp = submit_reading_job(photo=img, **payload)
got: {"hour": 4, "minute": 9}
